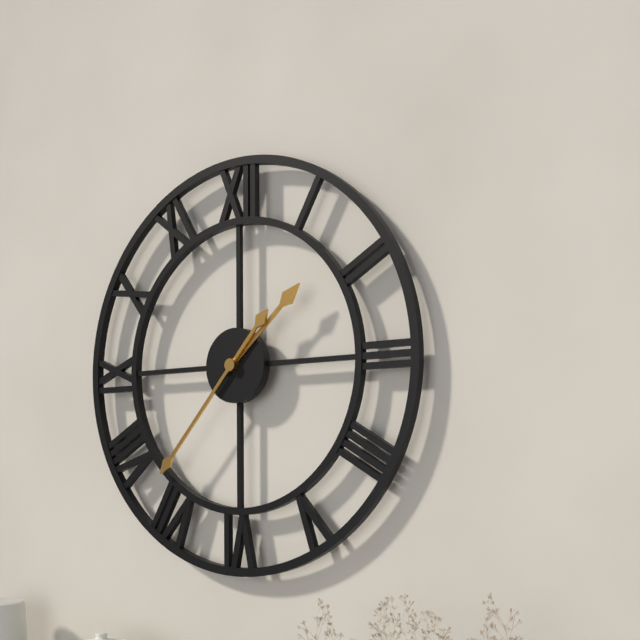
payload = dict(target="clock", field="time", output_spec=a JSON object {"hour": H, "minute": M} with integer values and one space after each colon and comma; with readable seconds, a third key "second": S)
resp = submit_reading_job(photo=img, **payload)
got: {"hour": 1, "minute": 37}
